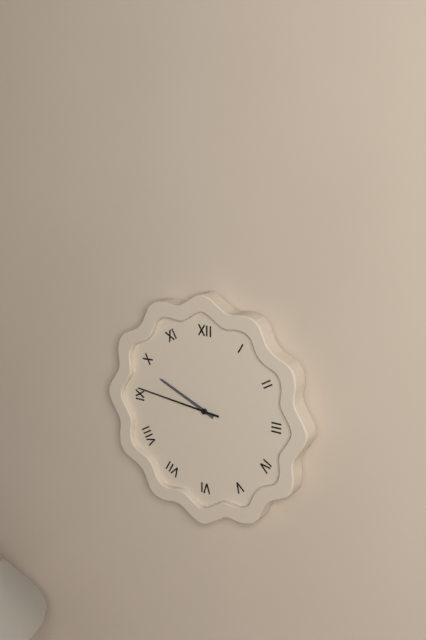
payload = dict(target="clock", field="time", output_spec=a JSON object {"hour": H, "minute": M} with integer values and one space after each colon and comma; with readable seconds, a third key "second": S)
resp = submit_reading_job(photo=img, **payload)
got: {"hour": 9, "minute": 46}
